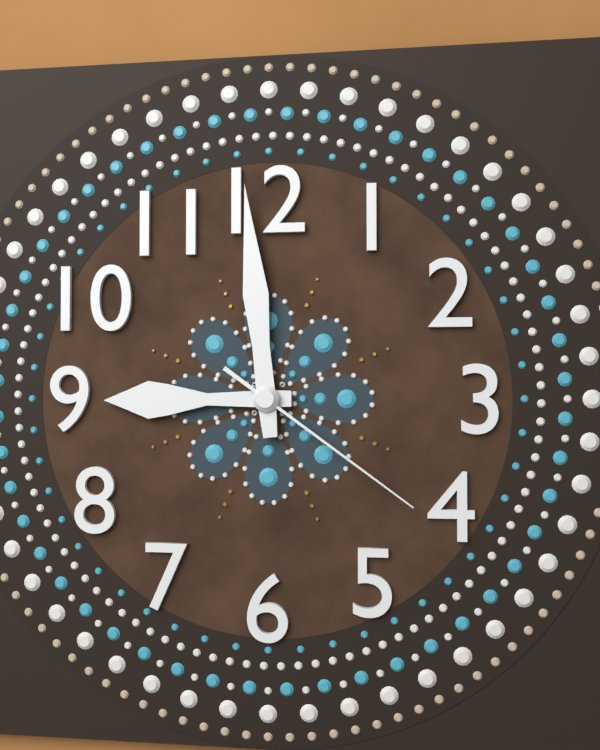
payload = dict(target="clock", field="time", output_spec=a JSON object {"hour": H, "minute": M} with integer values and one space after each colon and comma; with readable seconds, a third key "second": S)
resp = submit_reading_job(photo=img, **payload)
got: {"hour": 8, "minute": 59, "second": 21}
